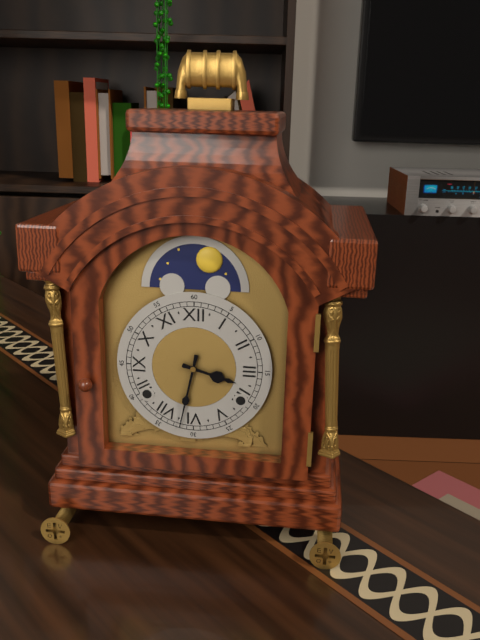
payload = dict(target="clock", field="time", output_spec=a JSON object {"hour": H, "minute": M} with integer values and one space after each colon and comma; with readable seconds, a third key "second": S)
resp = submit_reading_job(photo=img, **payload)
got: {"hour": 3, "minute": 32}
